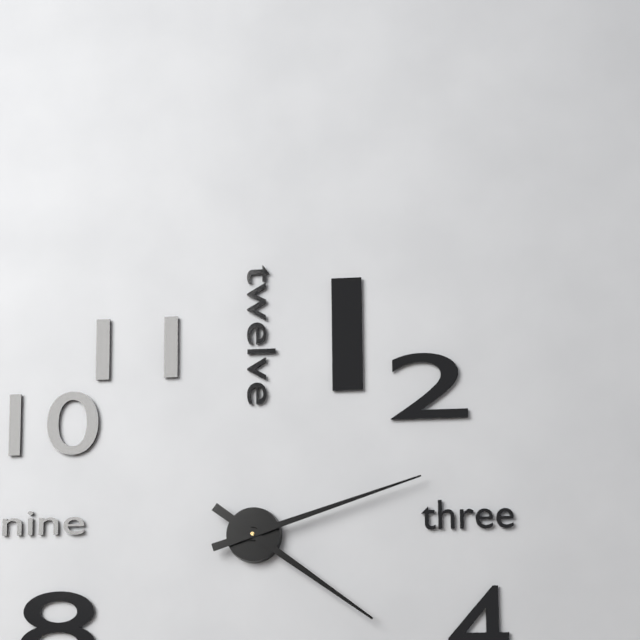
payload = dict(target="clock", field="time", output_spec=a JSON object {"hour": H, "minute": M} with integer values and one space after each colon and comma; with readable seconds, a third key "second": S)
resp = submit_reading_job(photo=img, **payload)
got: {"hour": 4, "minute": 12}
